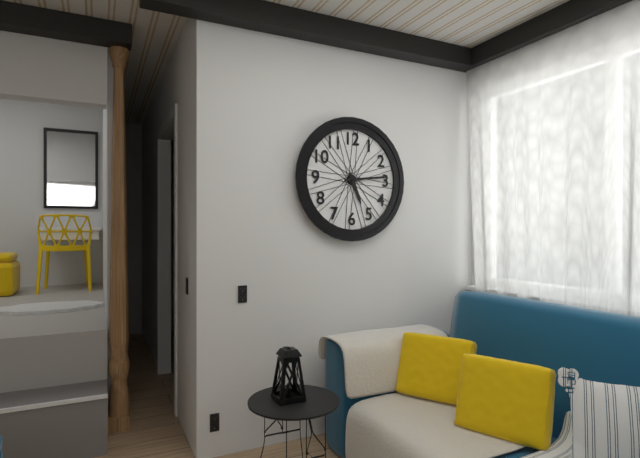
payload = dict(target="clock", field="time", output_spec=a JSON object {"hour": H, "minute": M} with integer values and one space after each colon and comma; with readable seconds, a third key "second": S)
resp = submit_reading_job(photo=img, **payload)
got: {"hour": 5, "minute": 14}
